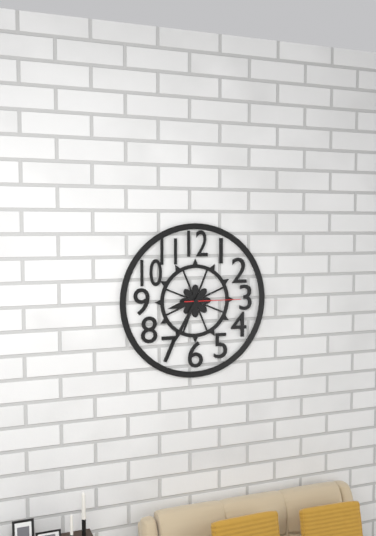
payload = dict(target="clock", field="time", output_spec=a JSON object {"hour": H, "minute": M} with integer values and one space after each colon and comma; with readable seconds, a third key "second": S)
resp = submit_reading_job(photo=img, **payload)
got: {"hour": 8, "minute": 35, "second": 15}
